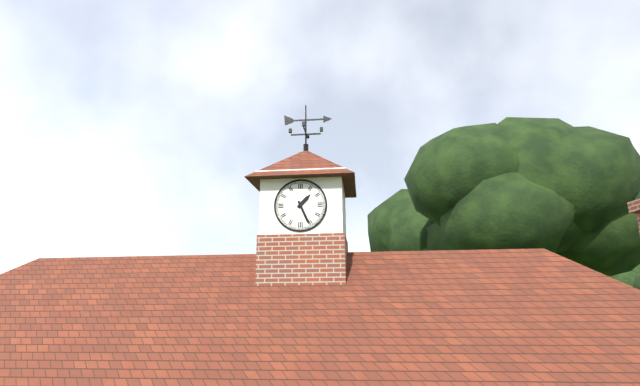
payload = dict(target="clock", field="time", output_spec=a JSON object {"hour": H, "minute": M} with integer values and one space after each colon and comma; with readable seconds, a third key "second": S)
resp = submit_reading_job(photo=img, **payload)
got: {"hour": 1, "minute": 26}
